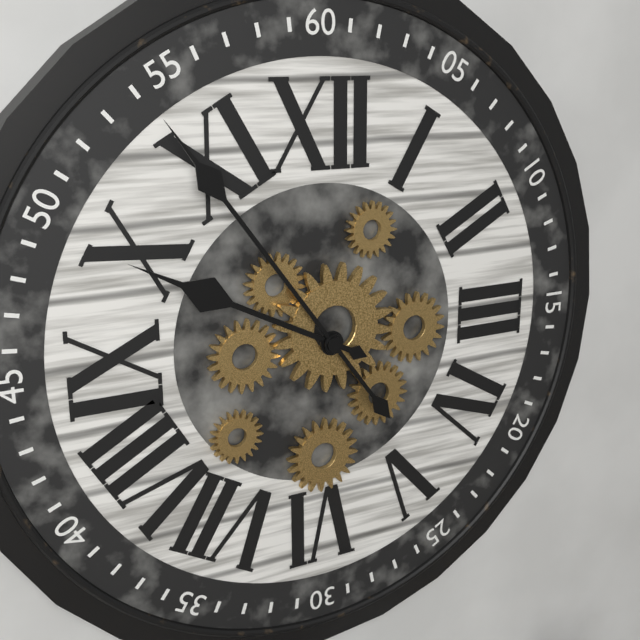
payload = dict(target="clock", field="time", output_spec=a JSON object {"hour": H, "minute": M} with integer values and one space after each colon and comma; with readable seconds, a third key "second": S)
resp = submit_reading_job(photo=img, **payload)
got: {"hour": 9, "minute": 54}
